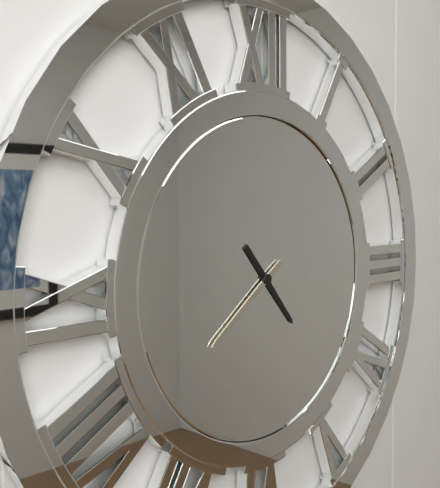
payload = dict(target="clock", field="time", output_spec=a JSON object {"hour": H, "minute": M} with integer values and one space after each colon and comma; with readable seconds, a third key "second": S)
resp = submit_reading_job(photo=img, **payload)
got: {"hour": 4, "minute": 39}
